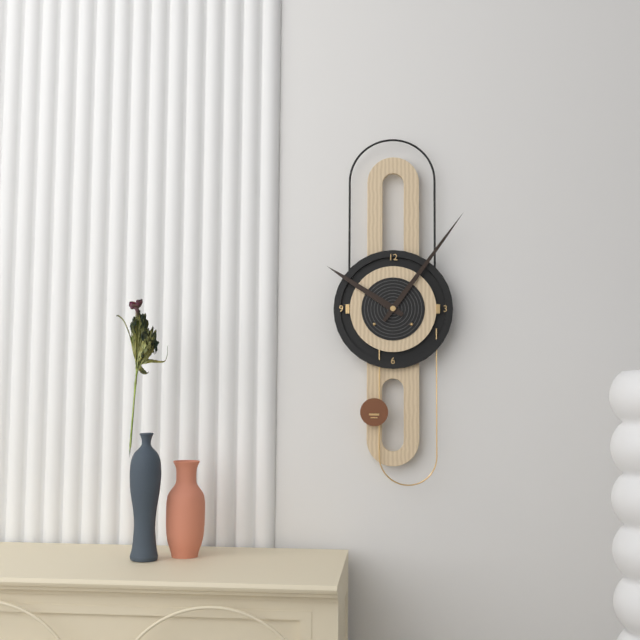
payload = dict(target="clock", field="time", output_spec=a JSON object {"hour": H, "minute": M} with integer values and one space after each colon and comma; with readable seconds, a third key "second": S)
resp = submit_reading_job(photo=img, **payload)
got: {"hour": 10, "minute": 6}
